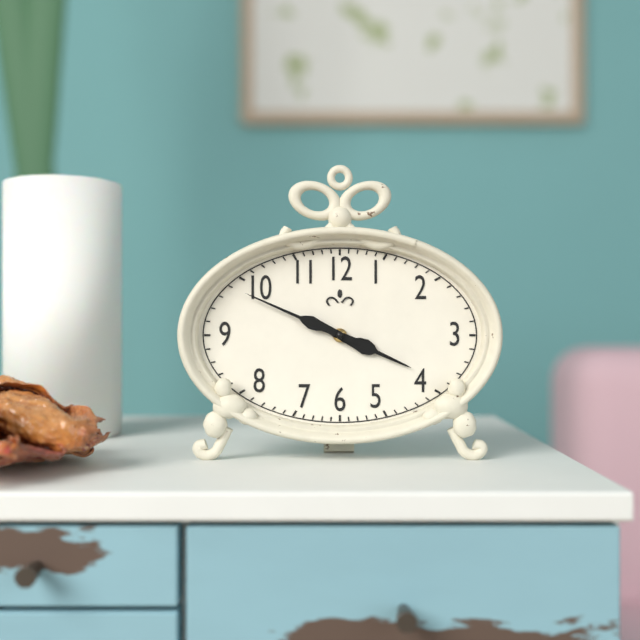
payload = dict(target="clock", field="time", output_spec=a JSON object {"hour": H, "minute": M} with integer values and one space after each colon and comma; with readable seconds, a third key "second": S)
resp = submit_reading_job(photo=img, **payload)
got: {"hour": 3, "minute": 49}
